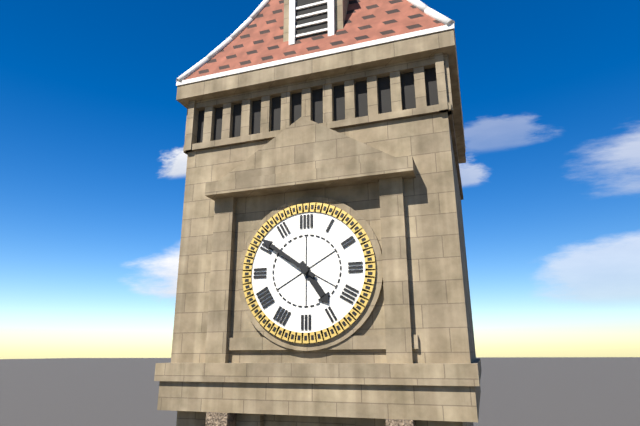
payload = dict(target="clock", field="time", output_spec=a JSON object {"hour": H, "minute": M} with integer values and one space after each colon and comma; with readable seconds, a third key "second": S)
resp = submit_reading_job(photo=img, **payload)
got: {"hour": 4, "minute": 51}
